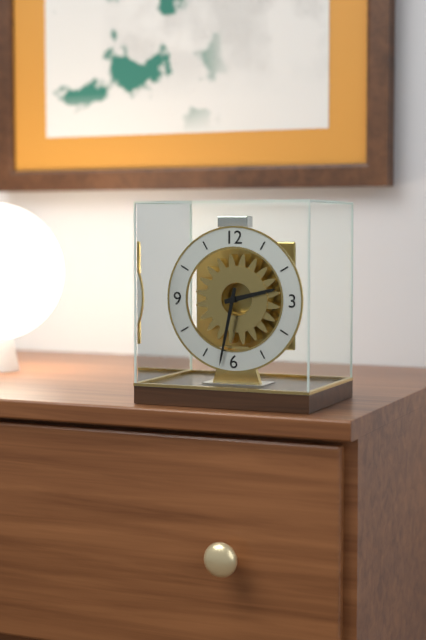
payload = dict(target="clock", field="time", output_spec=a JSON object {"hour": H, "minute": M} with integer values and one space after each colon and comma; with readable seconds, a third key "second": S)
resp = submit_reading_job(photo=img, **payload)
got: {"hour": 2, "minute": 32}
